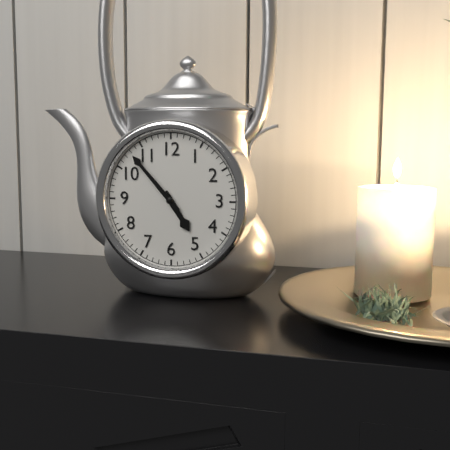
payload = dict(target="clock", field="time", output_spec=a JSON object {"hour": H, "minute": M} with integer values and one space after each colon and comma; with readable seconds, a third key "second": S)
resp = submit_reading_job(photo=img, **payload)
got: {"hour": 4, "minute": 53}
